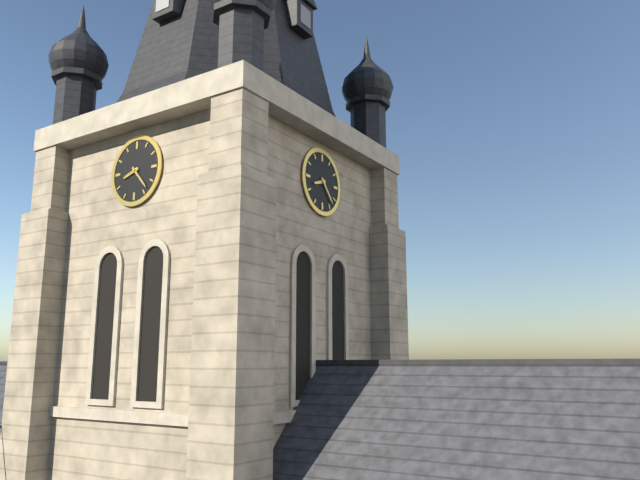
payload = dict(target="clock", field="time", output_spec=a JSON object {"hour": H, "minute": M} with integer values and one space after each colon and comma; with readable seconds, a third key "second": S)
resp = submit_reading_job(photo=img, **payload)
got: {"hour": 8, "minute": 23}
